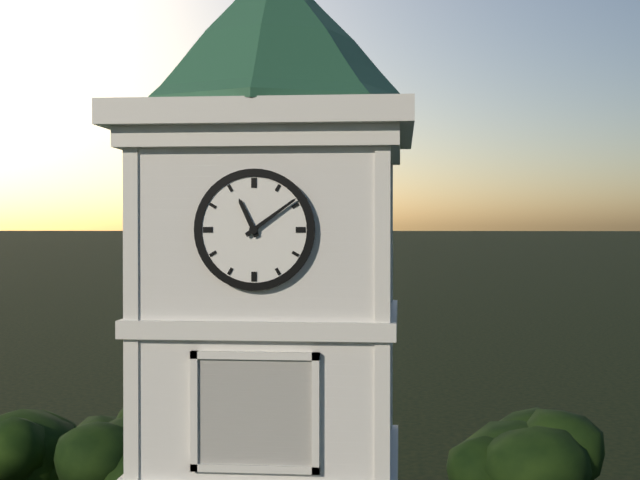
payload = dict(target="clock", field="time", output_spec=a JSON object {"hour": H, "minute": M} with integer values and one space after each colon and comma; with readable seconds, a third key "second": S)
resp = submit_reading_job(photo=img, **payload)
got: {"hour": 11, "minute": 9}
